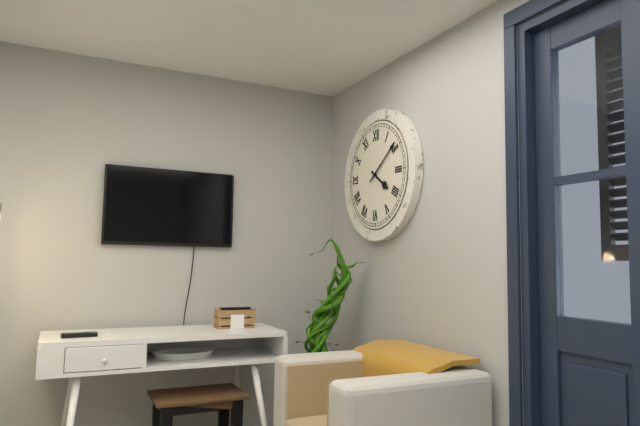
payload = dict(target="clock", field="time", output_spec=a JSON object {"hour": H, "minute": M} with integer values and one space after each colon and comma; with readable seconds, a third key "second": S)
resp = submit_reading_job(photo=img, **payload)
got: {"hour": 4, "minute": 9}
